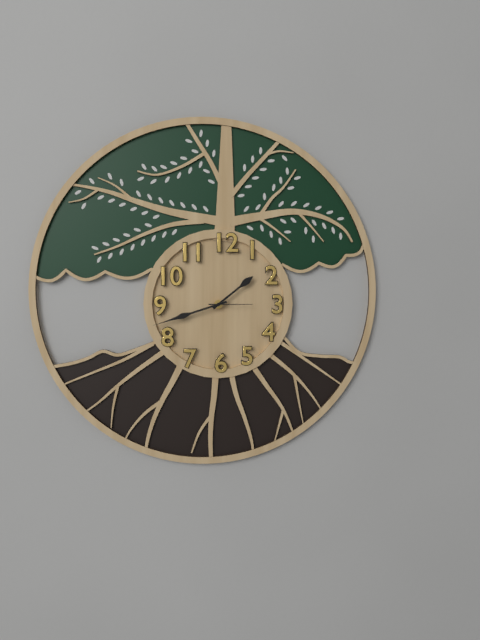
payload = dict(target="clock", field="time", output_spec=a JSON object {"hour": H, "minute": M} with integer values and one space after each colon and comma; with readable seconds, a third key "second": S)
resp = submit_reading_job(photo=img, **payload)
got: {"hour": 1, "minute": 42}
